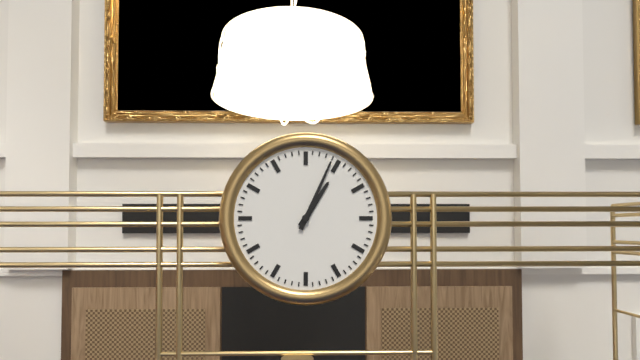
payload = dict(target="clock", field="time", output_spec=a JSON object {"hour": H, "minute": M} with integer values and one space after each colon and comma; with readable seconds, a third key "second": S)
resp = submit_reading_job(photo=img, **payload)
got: {"hour": 1, "minute": 4}
